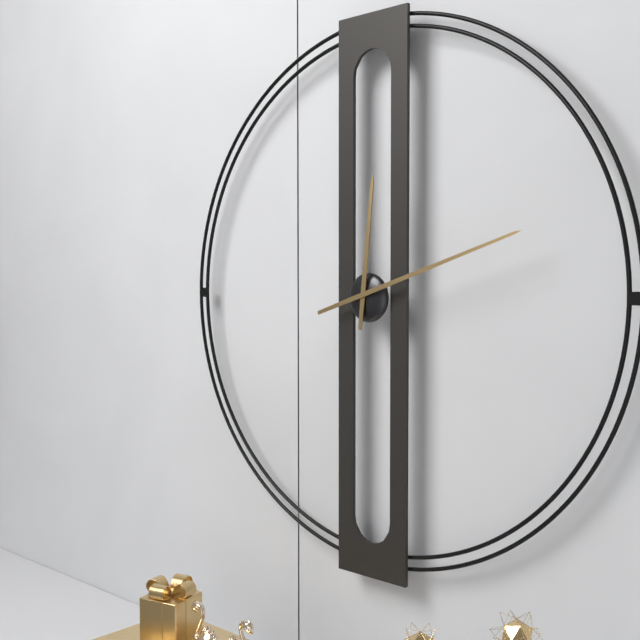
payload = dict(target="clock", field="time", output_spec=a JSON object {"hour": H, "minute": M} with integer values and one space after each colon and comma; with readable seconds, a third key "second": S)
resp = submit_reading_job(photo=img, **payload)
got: {"hour": 12, "minute": 12}
